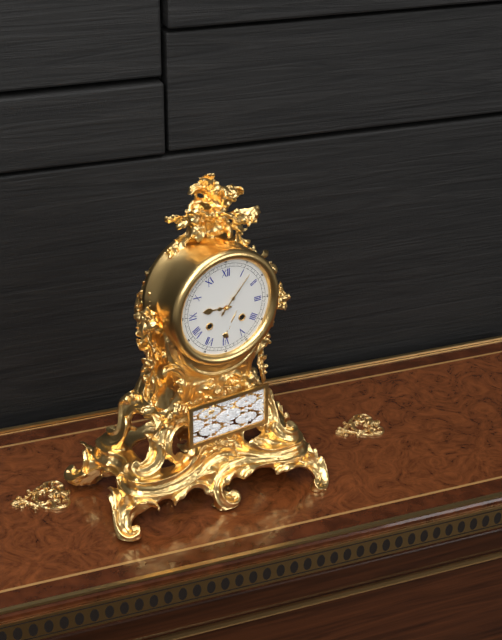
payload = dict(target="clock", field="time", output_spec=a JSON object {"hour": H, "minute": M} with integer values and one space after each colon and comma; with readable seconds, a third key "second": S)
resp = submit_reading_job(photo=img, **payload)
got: {"hour": 9, "minute": 7}
